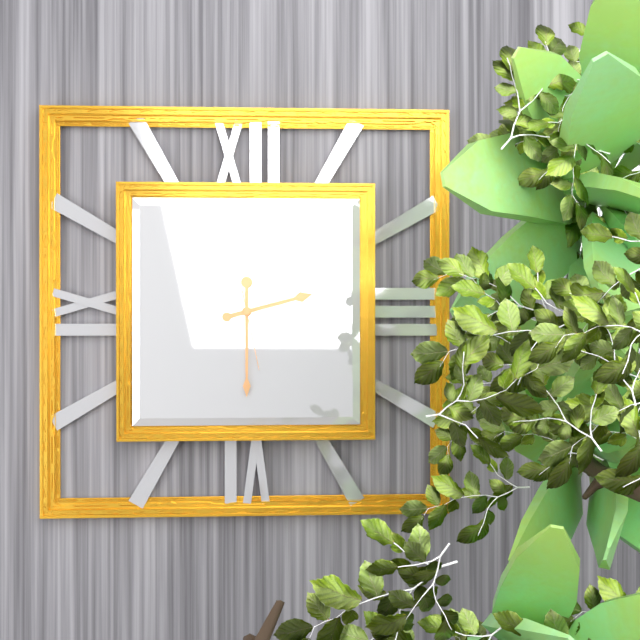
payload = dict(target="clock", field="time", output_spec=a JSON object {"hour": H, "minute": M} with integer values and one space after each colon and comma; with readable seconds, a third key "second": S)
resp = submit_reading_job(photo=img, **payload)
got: {"hour": 2, "minute": 30, "second": 28}
